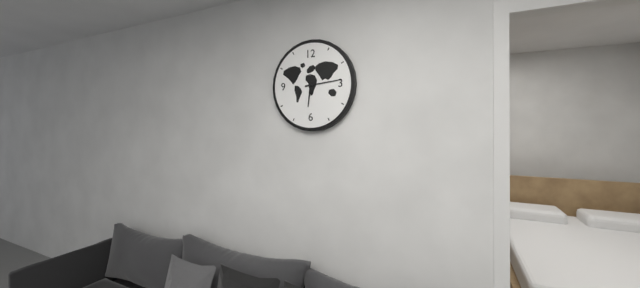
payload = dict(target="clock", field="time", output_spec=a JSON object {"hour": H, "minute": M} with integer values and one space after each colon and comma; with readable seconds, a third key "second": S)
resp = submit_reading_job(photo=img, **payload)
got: {"hour": 6, "minute": 14}
